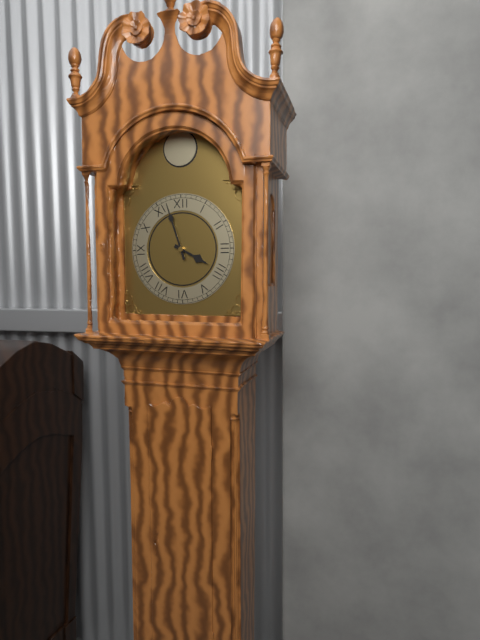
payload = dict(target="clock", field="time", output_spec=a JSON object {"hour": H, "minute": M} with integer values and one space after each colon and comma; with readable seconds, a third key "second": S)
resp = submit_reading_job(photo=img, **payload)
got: {"hour": 3, "minute": 57}
